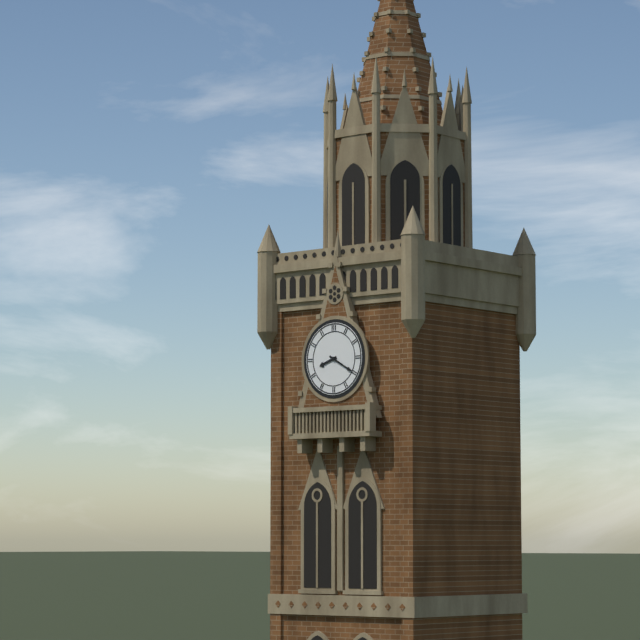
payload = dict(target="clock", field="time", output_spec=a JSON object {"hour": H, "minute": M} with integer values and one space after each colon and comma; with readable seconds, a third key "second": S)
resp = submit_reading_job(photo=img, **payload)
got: {"hour": 8, "minute": 20}
